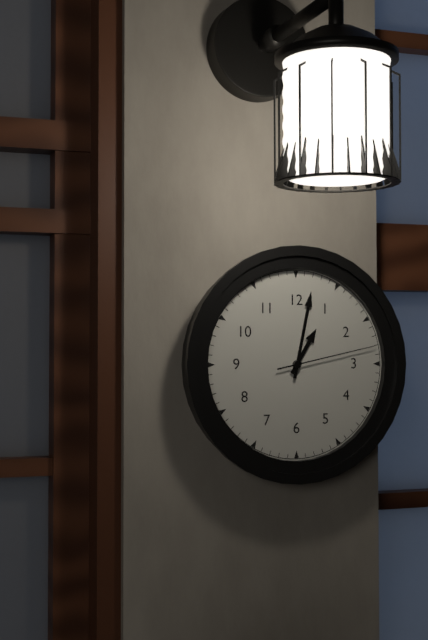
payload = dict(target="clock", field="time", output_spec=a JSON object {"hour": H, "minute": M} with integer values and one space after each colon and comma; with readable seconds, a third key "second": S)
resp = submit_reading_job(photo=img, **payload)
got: {"hour": 1, "minute": 2, "second": 13}
